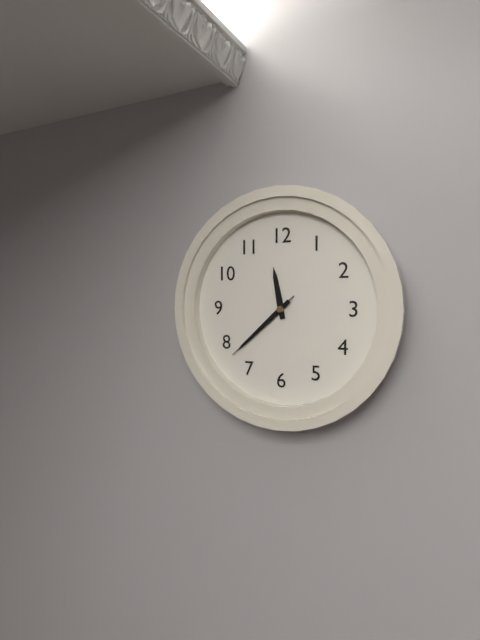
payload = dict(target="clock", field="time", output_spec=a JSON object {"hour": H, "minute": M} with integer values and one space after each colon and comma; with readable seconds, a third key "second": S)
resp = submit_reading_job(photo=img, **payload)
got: {"hour": 11, "minute": 38, "second": 38}
